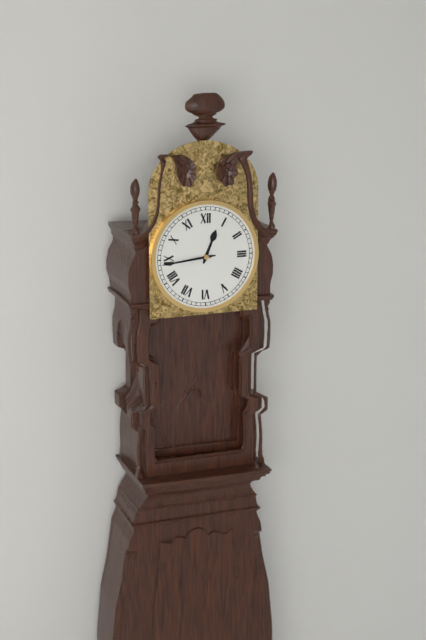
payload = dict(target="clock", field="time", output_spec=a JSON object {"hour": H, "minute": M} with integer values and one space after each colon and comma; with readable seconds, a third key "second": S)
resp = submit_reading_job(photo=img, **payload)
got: {"hour": 12, "minute": 44}
